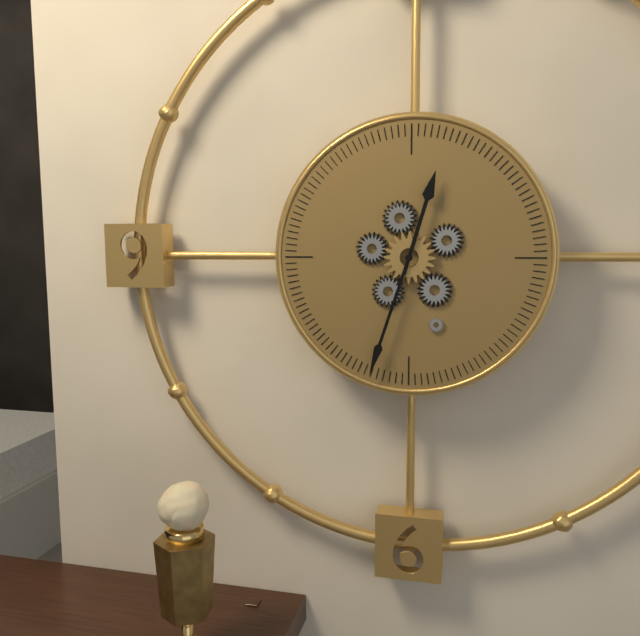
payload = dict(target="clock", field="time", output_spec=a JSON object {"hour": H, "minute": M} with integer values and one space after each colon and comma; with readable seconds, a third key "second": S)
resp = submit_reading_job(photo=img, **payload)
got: {"hour": 12, "minute": 33}
